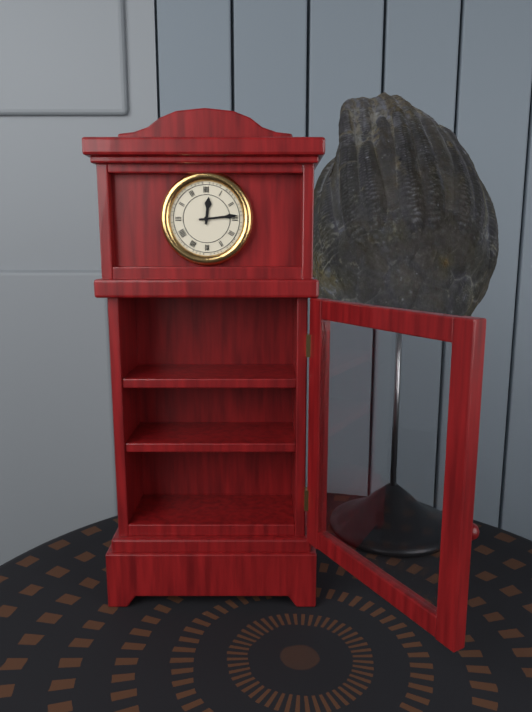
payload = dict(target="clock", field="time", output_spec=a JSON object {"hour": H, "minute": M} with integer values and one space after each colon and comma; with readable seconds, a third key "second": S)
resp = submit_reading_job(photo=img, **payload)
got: {"hour": 12, "minute": 14}
